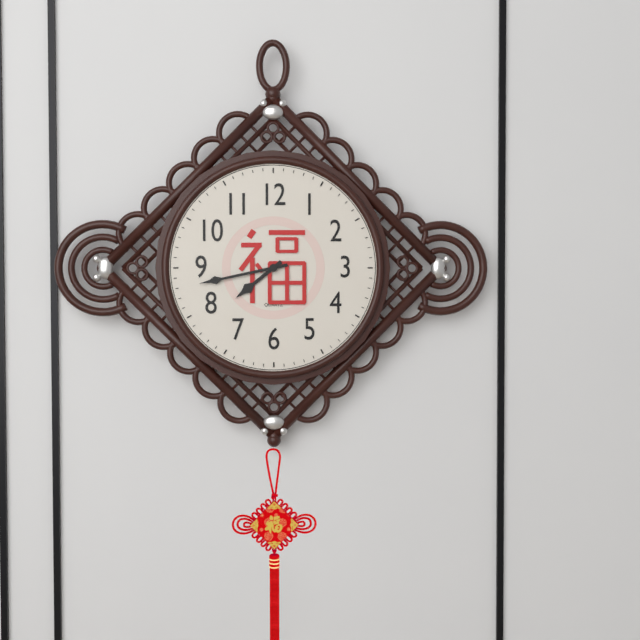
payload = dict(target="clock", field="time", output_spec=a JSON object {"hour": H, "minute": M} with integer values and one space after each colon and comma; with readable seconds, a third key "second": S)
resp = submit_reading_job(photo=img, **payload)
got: {"hour": 7, "minute": 43}
